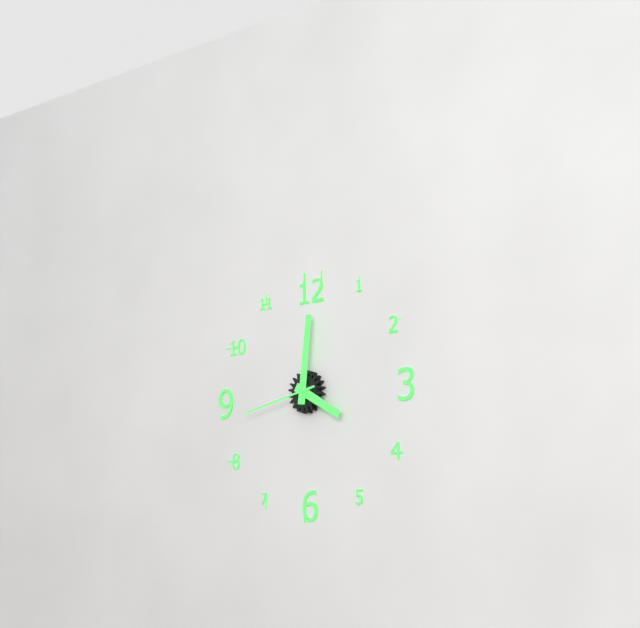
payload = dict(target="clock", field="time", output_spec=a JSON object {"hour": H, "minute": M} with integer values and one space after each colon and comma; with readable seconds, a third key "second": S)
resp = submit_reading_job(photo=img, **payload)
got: {"hour": 4, "minute": 1, "second": 43}
